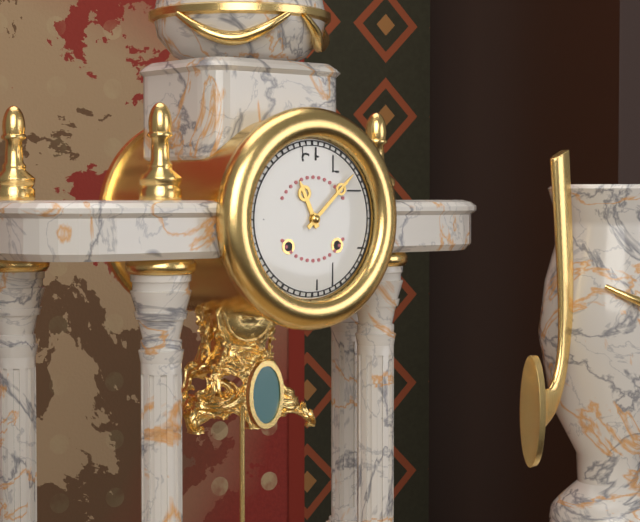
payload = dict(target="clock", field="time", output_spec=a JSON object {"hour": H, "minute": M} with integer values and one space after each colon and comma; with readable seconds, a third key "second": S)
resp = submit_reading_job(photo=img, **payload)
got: {"hour": 11, "minute": 8}
